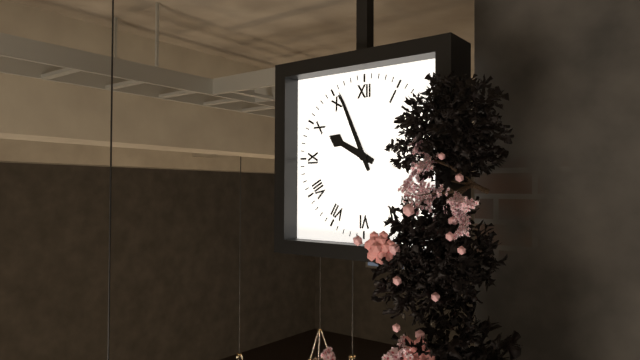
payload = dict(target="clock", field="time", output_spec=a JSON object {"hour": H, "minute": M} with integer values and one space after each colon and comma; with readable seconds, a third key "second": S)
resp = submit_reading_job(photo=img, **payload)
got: {"hour": 9, "minute": 56}
